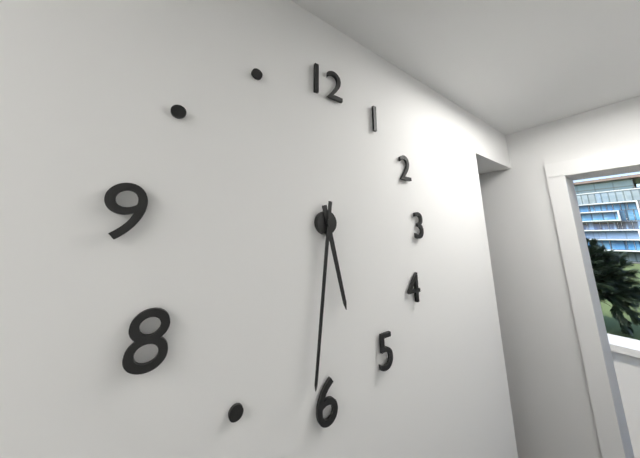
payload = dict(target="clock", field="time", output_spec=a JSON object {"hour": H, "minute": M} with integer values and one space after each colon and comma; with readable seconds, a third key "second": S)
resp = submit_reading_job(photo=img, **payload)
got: {"hour": 5, "minute": 31}
